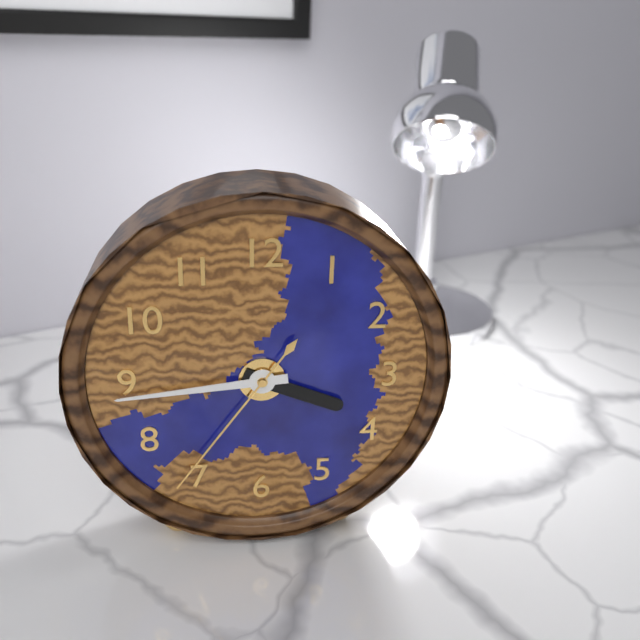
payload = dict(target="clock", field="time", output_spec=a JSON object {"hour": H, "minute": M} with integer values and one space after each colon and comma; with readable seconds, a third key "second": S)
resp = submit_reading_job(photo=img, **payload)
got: {"hour": 3, "minute": 44, "second": 36}
